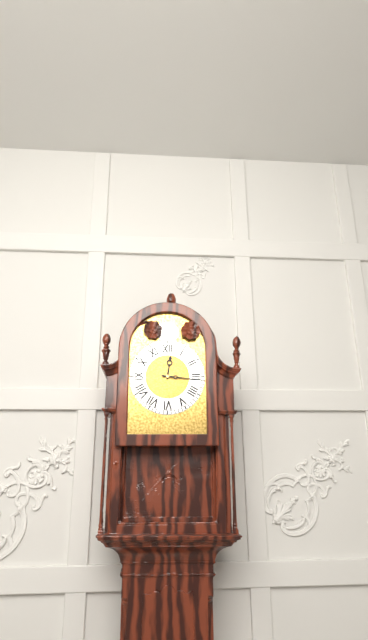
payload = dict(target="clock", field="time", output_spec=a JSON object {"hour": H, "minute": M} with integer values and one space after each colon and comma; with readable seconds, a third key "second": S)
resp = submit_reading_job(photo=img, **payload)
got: {"hour": 12, "minute": 16}
